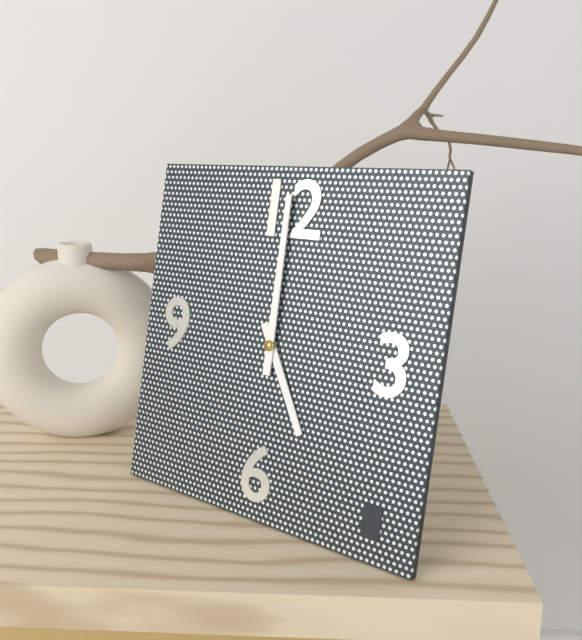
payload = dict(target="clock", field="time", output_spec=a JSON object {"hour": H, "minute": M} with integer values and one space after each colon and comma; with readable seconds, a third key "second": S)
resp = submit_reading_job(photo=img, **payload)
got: {"hour": 5, "minute": 0}
